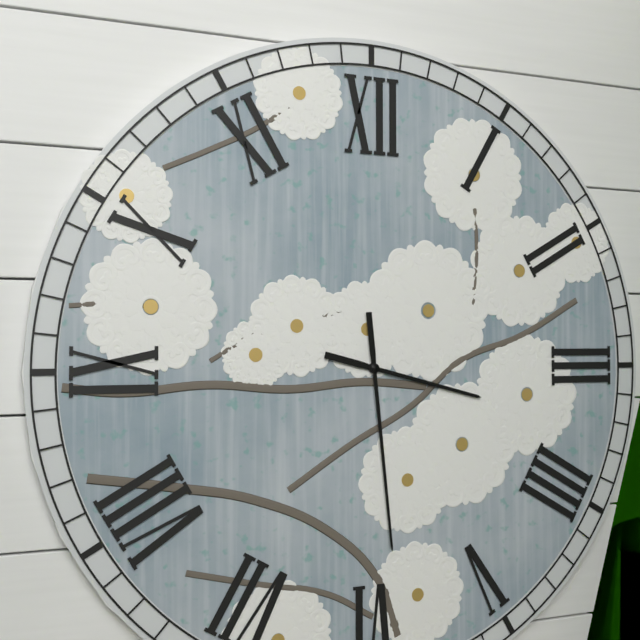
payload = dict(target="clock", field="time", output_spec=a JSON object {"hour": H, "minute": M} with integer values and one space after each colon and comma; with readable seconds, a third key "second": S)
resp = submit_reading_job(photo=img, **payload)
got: {"hour": 3, "minute": 29}
